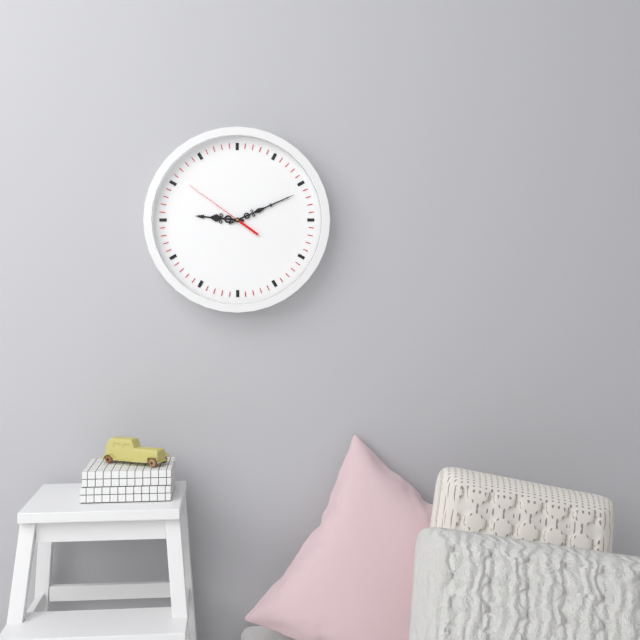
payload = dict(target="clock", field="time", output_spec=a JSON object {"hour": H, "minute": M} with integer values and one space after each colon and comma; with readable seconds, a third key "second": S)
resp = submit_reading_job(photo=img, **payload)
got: {"hour": 9, "minute": 11, "second": 51}
